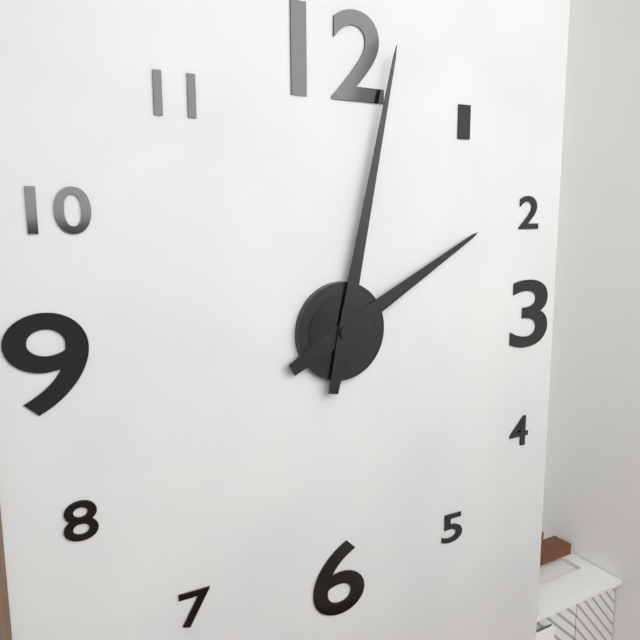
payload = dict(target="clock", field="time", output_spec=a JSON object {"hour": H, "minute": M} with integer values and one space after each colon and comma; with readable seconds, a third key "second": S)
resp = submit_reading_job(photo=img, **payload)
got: {"hour": 2, "minute": 2}
